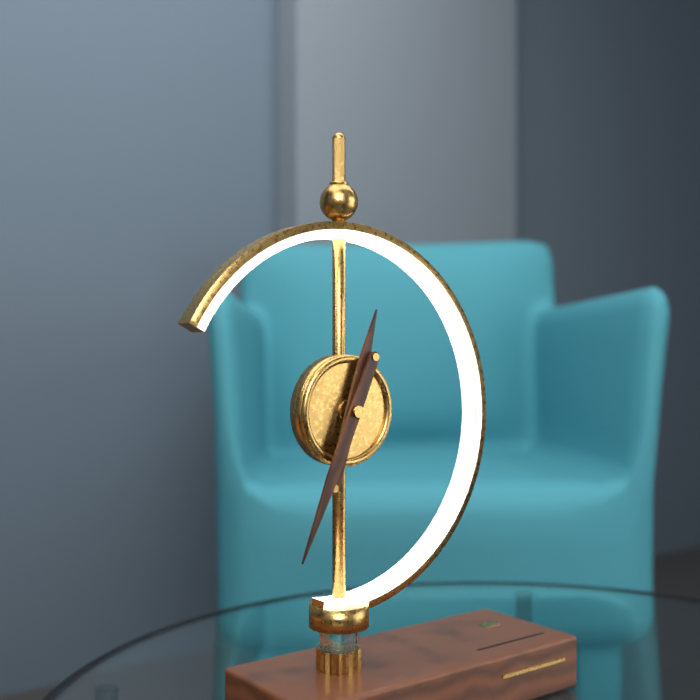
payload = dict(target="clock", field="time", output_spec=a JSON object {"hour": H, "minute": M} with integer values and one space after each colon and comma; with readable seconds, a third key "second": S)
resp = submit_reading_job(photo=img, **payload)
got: {"hour": 12, "minute": 34}
